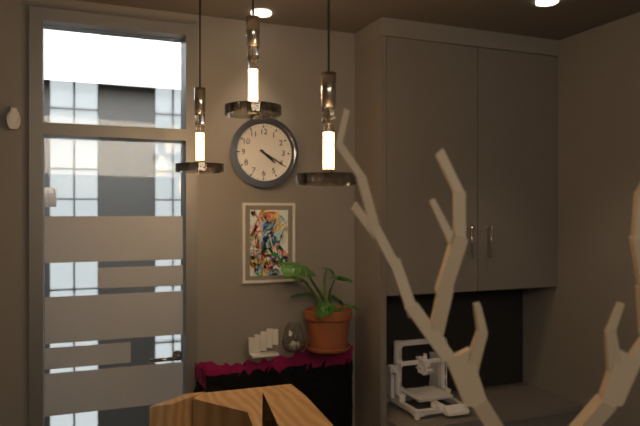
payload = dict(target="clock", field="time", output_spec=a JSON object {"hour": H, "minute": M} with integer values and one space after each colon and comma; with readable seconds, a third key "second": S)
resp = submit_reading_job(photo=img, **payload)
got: {"hour": 4, "minute": 20}
